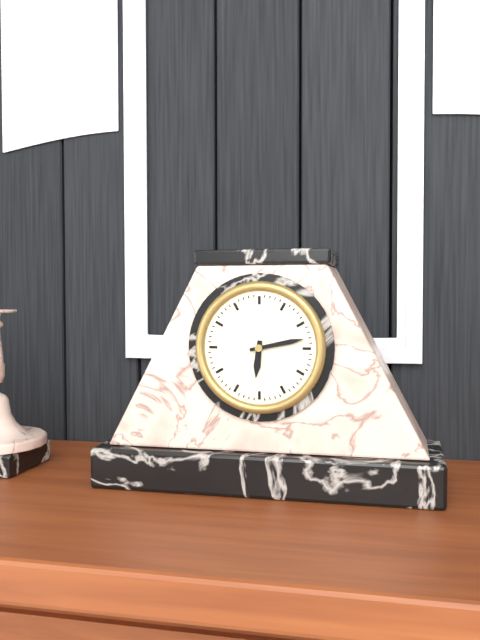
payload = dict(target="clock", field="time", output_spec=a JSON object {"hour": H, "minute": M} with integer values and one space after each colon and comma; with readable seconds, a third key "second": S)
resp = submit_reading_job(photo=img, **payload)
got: {"hour": 6, "minute": 13}
